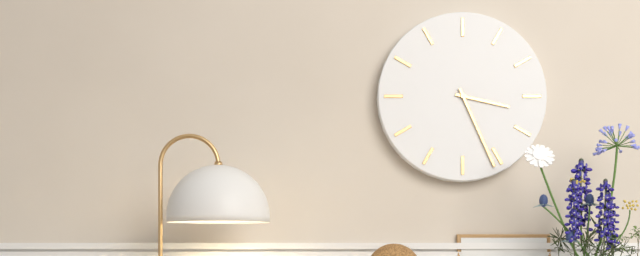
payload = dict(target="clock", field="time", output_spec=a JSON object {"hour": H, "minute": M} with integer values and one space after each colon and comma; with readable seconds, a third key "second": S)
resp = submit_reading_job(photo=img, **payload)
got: {"hour": 3, "minute": 26}
